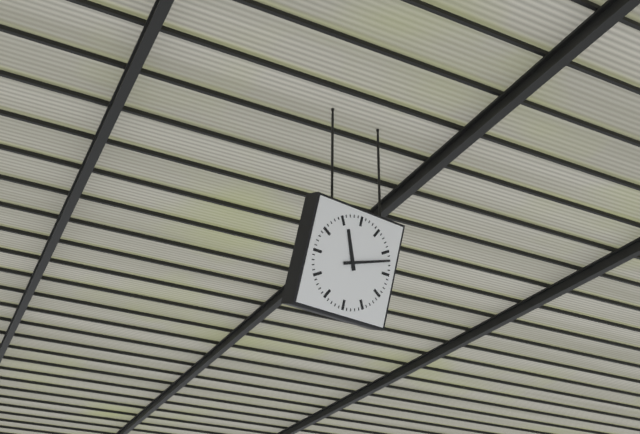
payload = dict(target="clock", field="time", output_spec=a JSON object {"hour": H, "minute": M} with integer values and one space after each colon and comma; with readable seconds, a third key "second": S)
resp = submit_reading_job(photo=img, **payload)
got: {"hour": 11, "minute": 12}
